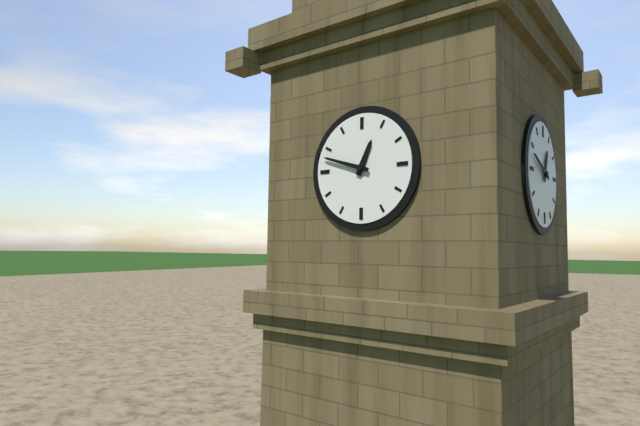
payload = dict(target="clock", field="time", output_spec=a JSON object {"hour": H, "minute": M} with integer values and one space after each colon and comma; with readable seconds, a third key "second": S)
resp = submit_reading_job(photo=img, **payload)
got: {"hour": 12, "minute": 48}
